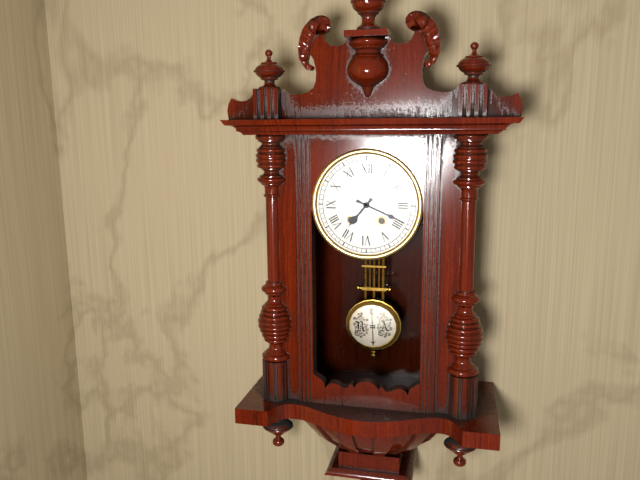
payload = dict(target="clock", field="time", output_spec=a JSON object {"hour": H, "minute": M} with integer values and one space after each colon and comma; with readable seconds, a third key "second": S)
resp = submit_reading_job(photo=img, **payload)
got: {"hour": 7, "minute": 19}
